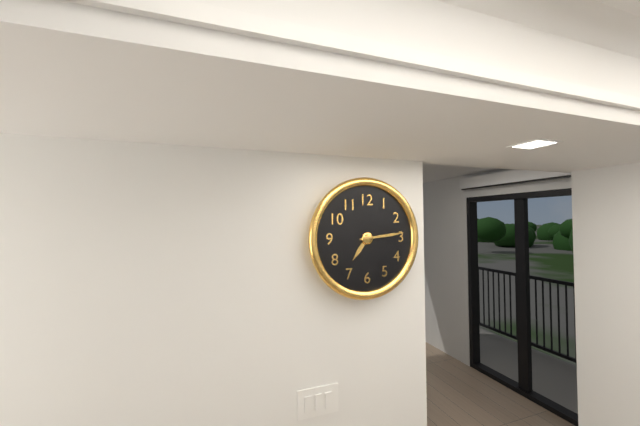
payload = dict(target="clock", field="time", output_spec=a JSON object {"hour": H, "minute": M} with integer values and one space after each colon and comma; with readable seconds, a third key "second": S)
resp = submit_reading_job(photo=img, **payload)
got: {"hour": 7, "minute": 14}
